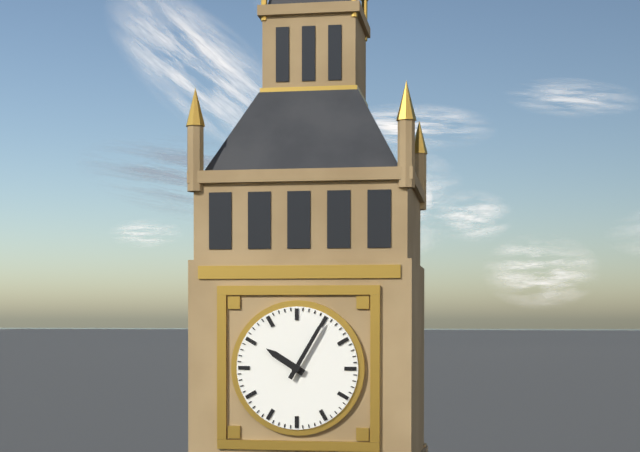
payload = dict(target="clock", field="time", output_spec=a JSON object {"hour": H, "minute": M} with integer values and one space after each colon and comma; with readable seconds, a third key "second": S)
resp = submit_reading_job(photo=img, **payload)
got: {"hour": 10, "minute": 5}
